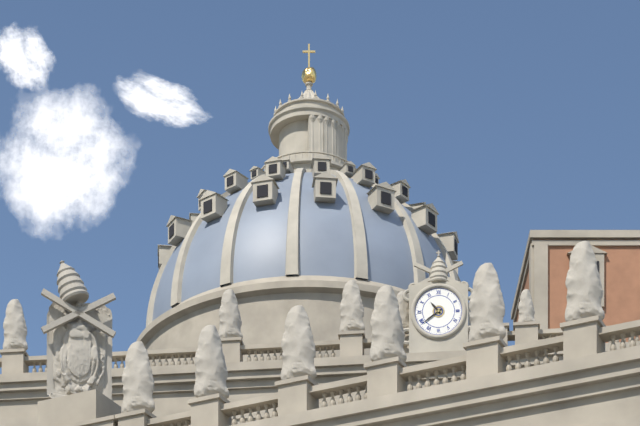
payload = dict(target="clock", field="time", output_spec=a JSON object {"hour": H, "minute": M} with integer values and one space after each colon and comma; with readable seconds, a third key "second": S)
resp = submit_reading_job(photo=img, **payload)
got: {"hour": 10, "minute": 39}
